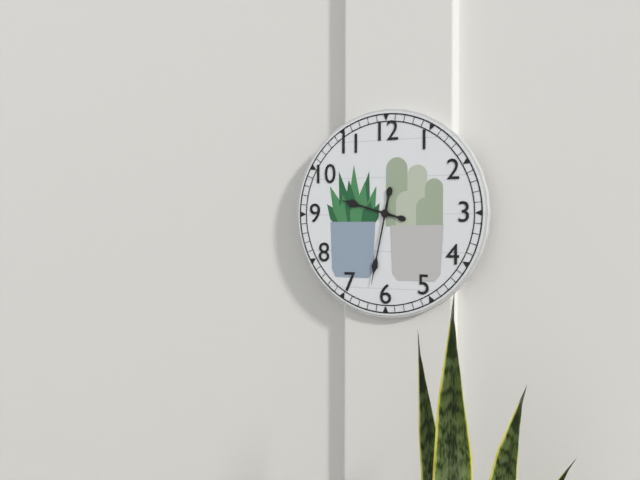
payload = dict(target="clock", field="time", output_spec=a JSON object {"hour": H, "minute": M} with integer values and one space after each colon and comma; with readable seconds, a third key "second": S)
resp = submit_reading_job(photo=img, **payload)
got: {"hour": 9, "minute": 32}
